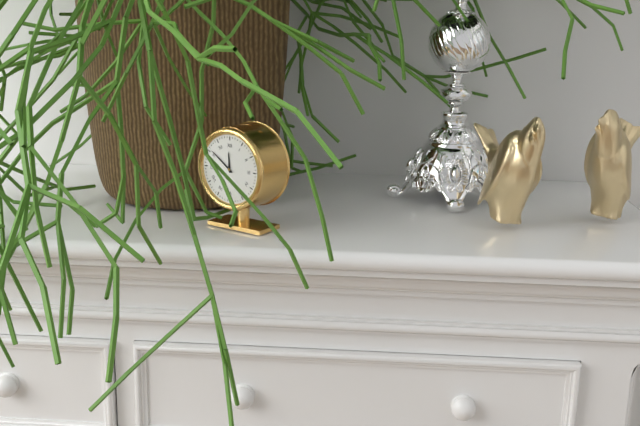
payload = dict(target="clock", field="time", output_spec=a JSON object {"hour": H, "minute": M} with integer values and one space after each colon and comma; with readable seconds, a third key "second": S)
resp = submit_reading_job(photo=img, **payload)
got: {"hour": 11, "minute": 51}
